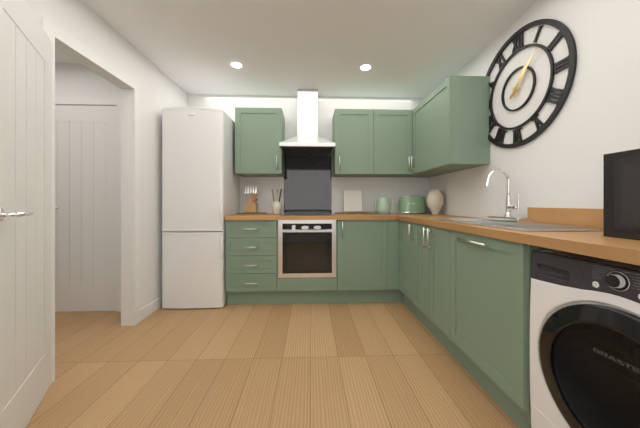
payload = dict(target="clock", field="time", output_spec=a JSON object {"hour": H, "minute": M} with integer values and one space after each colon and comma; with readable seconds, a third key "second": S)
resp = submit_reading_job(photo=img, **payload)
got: {"hour": 1, "minute": 7}
